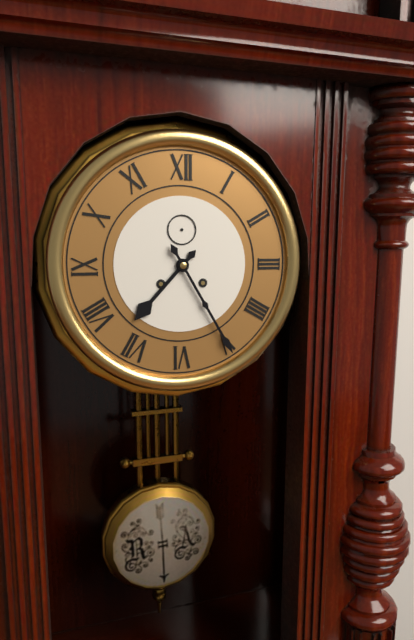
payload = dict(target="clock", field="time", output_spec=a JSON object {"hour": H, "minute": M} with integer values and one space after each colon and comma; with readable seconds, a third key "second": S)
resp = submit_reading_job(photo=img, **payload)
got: {"hour": 7, "minute": 25}
